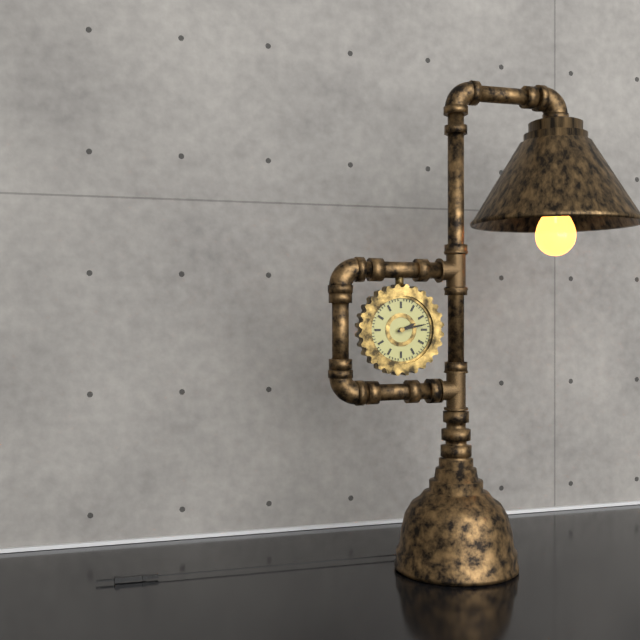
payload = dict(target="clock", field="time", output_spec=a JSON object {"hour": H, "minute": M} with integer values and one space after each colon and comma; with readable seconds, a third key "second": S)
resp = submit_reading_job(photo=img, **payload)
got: {"hour": 2, "minute": 13}
